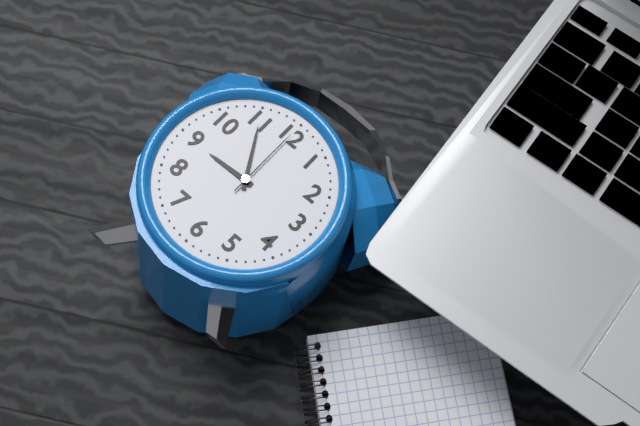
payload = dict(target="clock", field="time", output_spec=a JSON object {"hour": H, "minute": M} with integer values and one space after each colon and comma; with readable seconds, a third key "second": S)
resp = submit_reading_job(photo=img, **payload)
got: {"hour": 8, "minute": 55, "second": 0}
